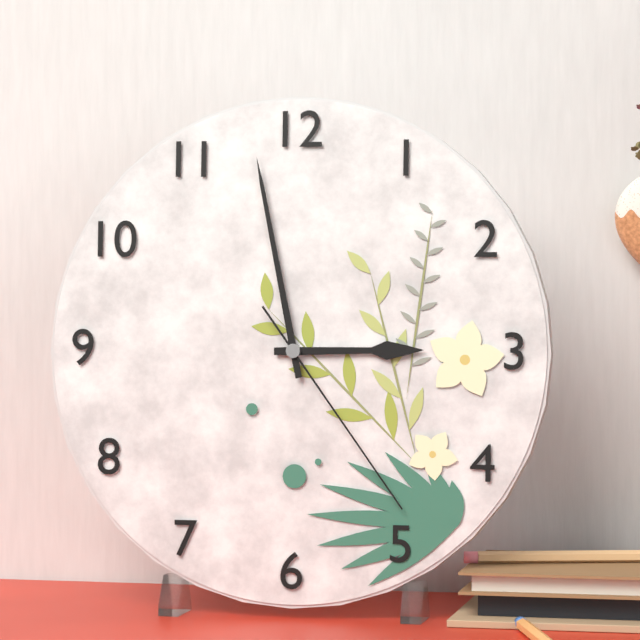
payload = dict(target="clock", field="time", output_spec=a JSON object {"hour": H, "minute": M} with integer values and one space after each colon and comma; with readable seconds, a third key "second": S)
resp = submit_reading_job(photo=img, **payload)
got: {"hour": 2, "minute": 58, "second": 24}
